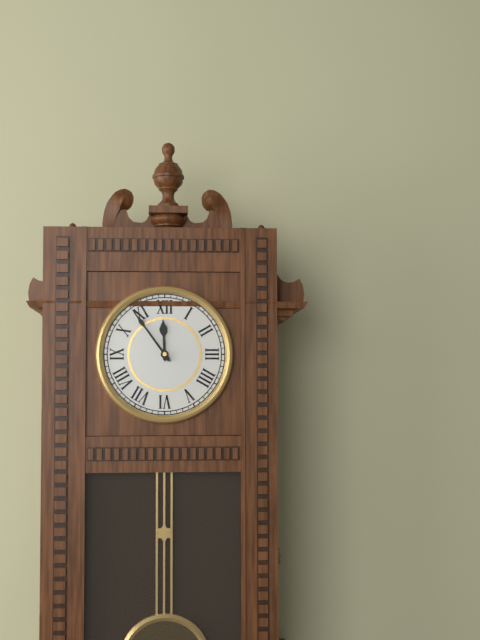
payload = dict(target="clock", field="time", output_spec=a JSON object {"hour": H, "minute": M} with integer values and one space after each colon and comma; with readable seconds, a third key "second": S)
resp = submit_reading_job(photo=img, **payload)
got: {"hour": 11, "minute": 54}
